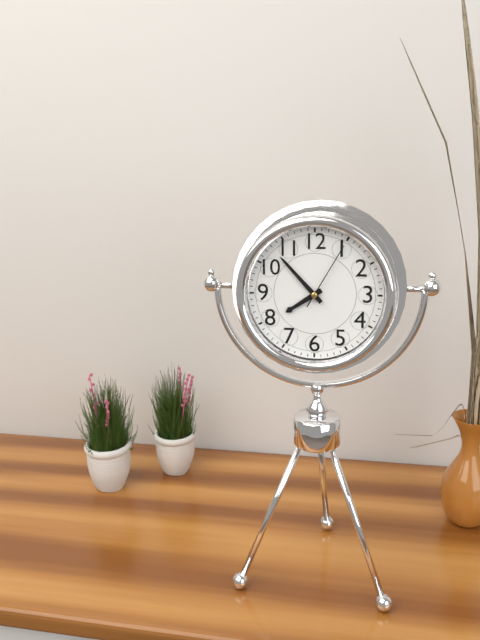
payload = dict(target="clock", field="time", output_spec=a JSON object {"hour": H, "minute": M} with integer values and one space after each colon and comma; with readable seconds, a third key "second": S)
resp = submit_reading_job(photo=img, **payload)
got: {"hour": 7, "minute": 53, "second": 5}
